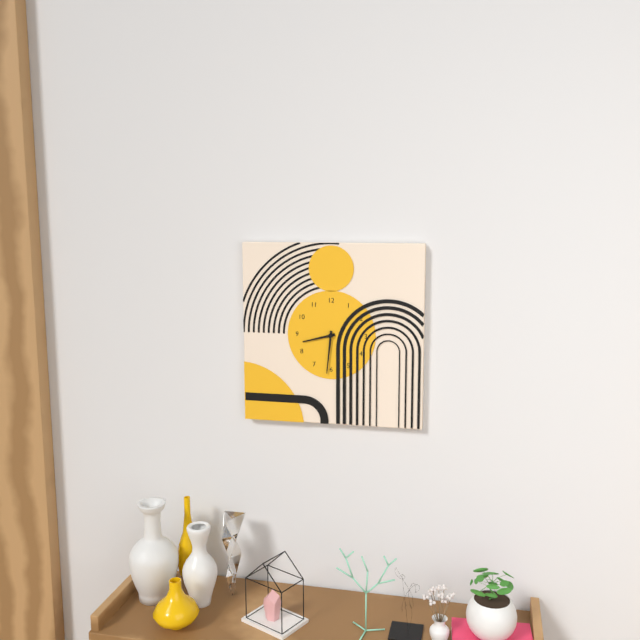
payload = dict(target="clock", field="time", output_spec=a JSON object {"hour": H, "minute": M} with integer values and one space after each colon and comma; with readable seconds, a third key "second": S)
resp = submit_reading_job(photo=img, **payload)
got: {"hour": 8, "minute": 31}
